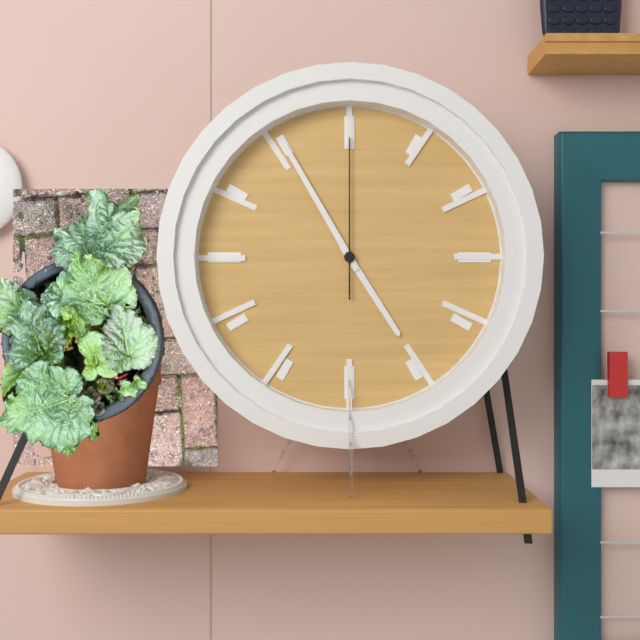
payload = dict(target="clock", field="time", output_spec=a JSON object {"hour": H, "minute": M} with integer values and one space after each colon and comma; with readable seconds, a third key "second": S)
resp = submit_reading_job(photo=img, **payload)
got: {"hour": 4, "minute": 55, "second": 0}
